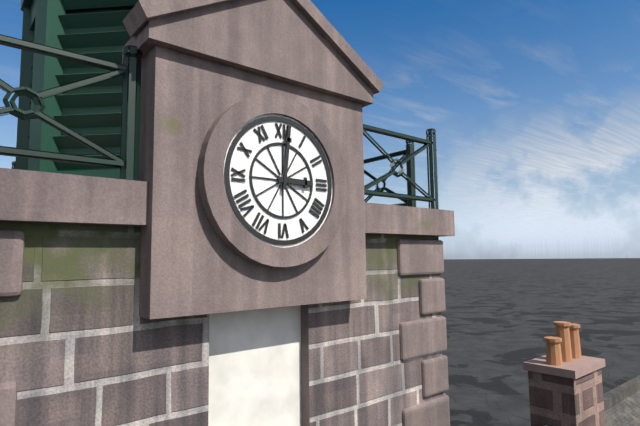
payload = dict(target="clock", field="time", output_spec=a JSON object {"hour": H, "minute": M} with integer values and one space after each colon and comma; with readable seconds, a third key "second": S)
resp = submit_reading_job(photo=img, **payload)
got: {"hour": 3, "minute": 1}
